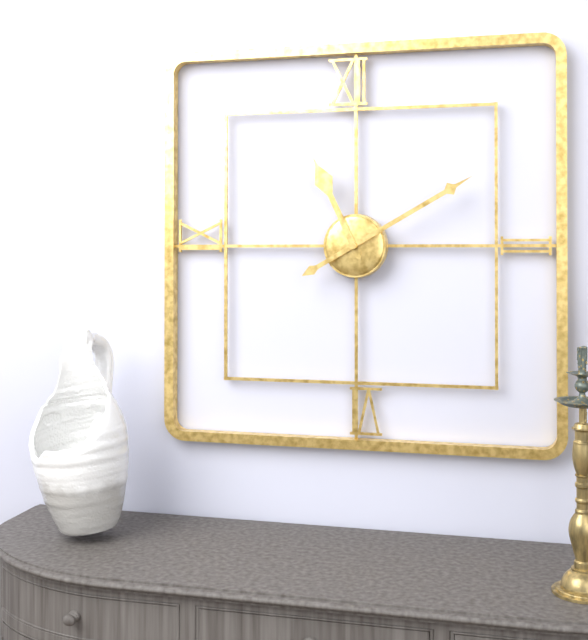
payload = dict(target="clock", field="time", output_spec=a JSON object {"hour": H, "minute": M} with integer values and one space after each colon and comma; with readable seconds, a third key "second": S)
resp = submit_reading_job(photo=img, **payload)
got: {"hour": 11, "minute": 10}
